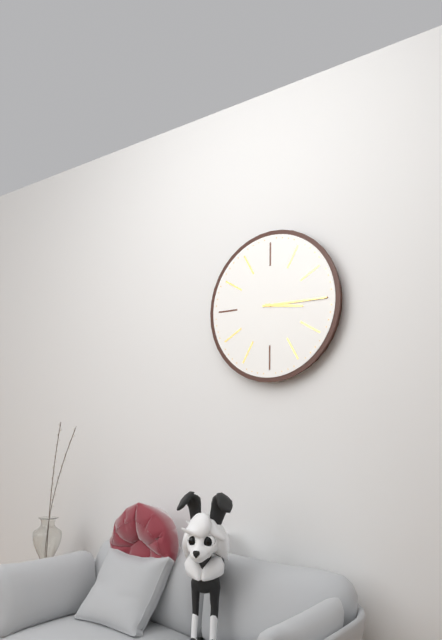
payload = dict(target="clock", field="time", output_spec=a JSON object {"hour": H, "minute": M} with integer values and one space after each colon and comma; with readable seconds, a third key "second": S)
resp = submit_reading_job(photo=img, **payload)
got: {"hour": 3, "minute": 15}
